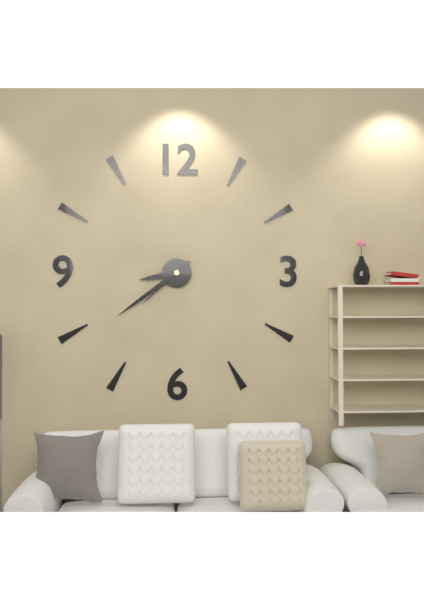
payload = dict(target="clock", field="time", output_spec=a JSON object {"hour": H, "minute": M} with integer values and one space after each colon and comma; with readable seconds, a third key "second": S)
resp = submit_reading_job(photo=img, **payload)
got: {"hour": 8, "minute": 39, "second": 38}
